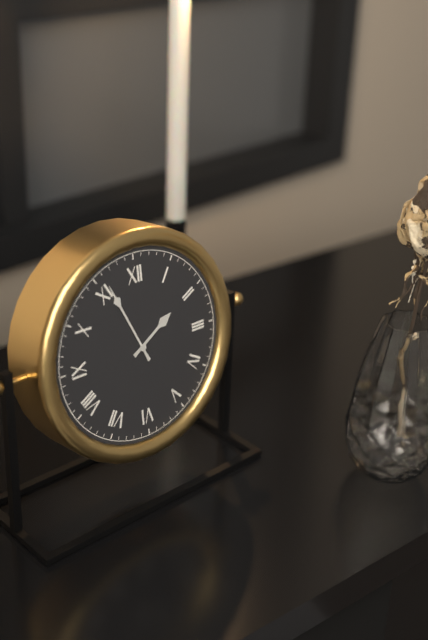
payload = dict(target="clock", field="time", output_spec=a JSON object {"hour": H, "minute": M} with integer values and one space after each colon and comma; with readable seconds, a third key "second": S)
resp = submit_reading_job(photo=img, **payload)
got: {"hour": 1, "minute": 56}
